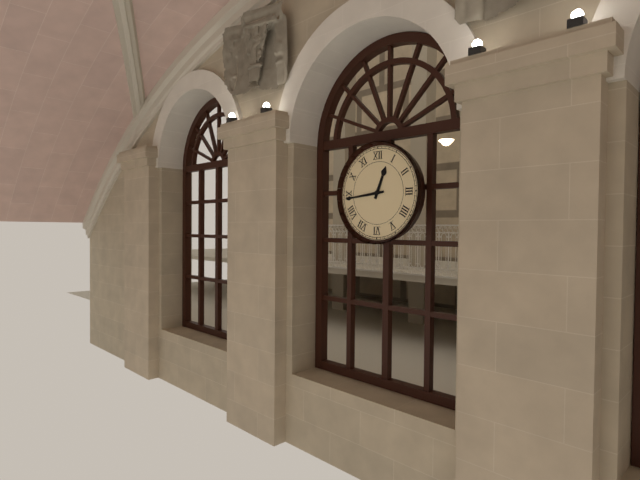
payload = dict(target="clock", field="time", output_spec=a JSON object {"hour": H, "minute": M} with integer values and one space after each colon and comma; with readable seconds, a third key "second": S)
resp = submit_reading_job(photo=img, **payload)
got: {"hour": 12, "minute": 44}
